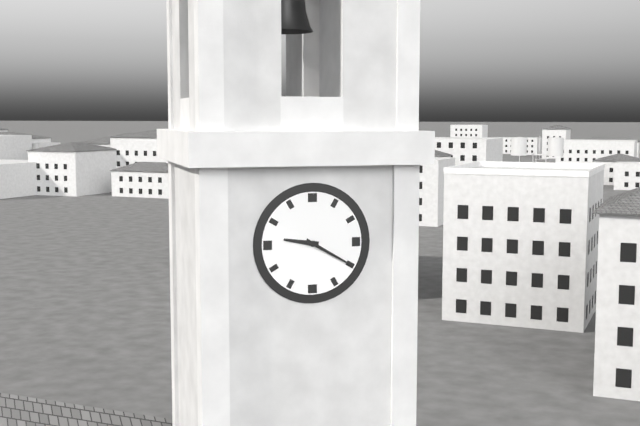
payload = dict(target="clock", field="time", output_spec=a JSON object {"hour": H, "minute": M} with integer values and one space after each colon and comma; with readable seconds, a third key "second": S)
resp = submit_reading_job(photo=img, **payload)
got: {"hour": 9, "minute": 20}
